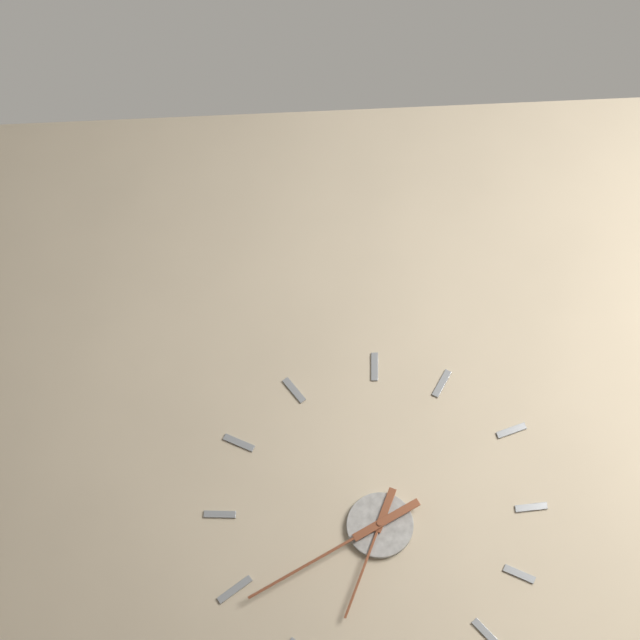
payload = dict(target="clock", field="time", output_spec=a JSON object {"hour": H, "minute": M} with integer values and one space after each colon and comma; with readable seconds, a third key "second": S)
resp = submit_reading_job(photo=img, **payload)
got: {"hour": 6, "minute": 40}
